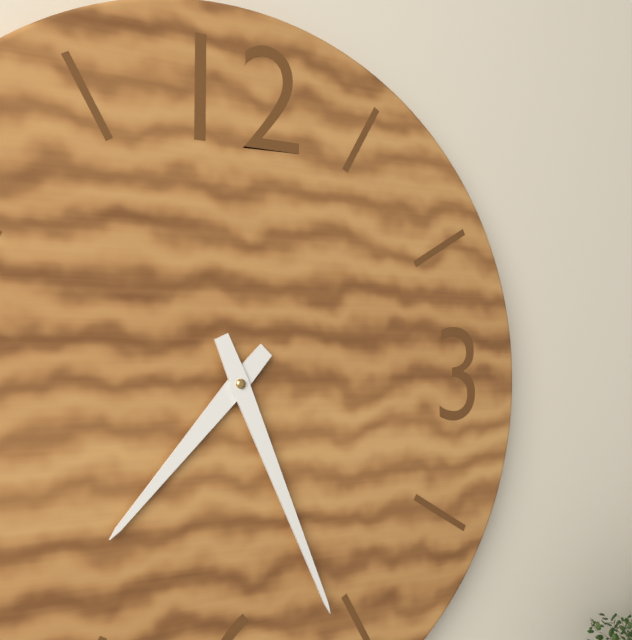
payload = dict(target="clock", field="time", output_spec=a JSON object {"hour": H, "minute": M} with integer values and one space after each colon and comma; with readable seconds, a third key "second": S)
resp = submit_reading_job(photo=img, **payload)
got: {"hour": 7, "minute": 26}
